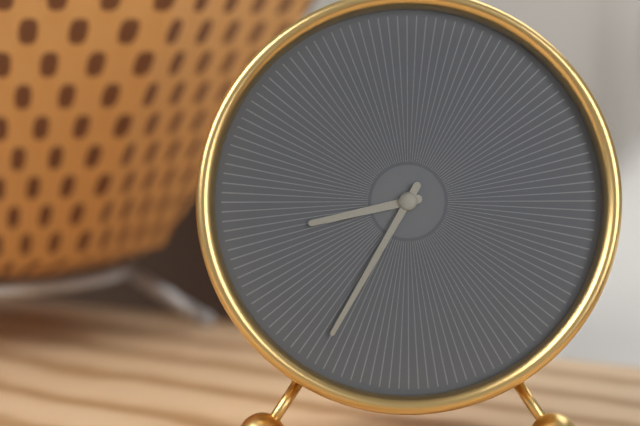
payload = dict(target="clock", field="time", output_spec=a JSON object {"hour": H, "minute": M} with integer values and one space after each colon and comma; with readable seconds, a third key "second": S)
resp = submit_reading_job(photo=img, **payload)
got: {"hour": 8, "minute": 35}
